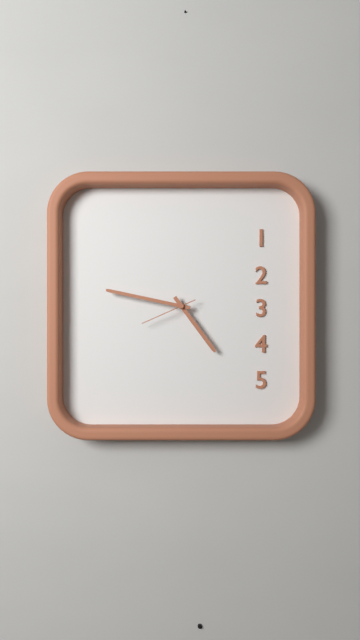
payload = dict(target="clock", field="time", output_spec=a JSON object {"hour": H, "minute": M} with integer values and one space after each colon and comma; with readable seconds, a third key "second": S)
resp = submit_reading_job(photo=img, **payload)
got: {"hour": 4, "minute": 47, "second": 41}
